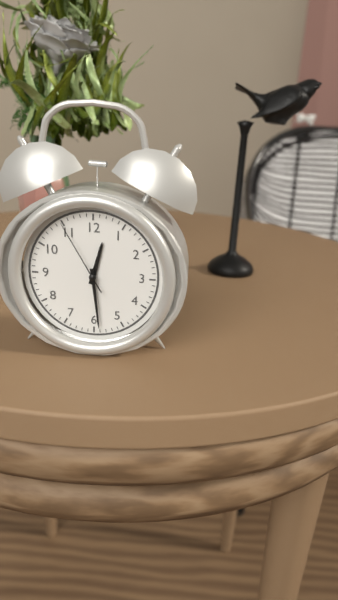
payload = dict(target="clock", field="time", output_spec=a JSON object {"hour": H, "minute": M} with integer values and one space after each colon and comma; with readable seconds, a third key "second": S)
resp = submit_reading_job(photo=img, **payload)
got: {"hour": 12, "minute": 29, "second": 55}
